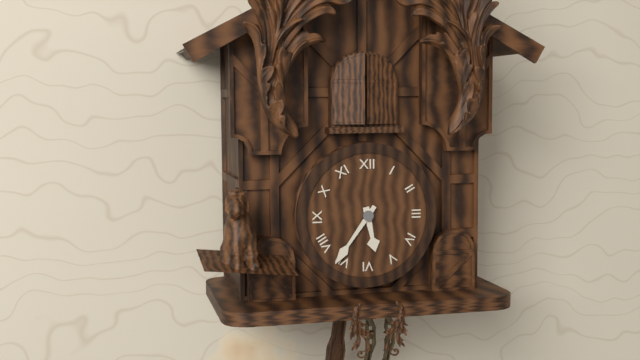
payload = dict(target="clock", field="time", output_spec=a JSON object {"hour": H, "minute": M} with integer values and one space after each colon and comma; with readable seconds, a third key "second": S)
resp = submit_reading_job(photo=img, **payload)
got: {"hour": 5, "minute": 36}
